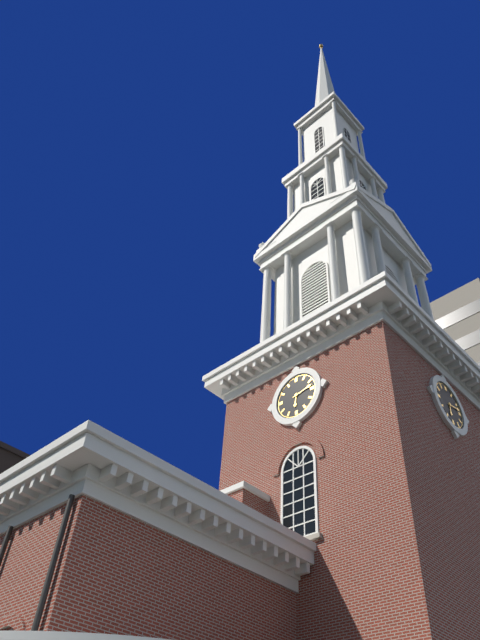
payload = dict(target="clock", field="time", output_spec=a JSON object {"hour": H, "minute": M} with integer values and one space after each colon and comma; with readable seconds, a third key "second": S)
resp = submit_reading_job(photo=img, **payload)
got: {"hour": 6, "minute": 13}
